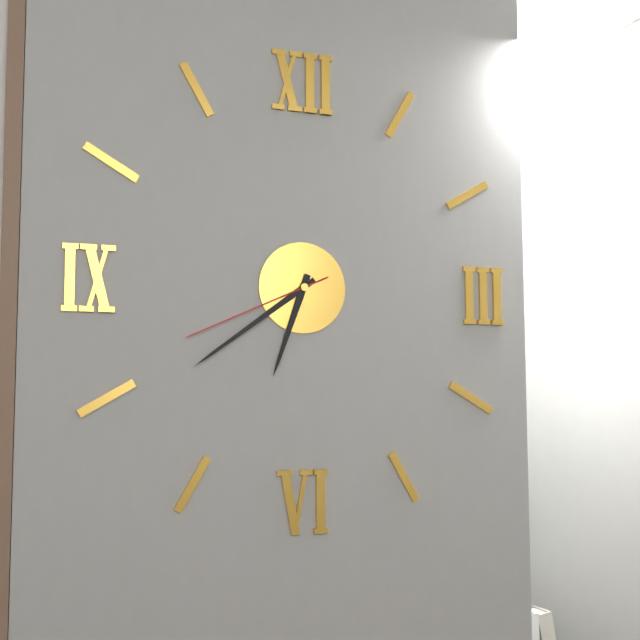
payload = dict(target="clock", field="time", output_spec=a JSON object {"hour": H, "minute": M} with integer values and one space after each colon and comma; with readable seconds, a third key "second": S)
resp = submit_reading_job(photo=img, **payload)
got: {"hour": 6, "minute": 39, "second": 41}
